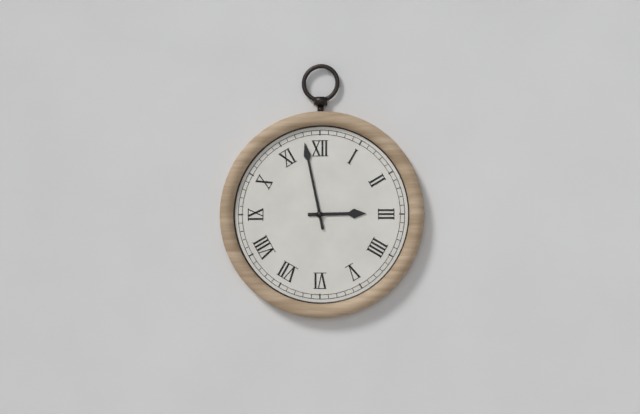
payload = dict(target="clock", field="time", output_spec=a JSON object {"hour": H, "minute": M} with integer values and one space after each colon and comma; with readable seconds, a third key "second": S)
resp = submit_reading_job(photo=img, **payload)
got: {"hour": 2, "minute": 58}
